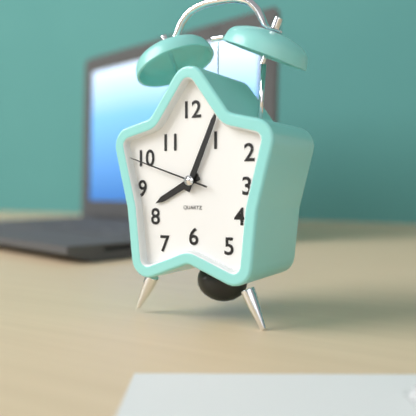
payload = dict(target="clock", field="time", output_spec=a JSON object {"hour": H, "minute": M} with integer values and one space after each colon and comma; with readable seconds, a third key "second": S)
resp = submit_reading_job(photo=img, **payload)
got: {"hour": 8, "minute": 4, "second": 48}
